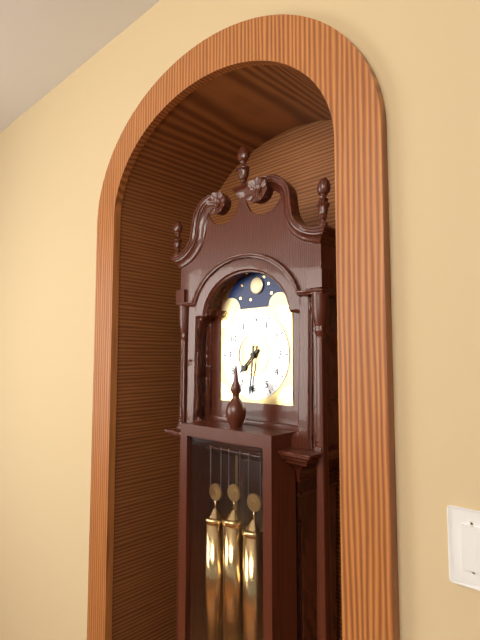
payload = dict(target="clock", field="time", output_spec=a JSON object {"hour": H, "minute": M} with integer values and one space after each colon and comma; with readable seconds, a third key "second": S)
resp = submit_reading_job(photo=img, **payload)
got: {"hour": 7, "minute": 31}
